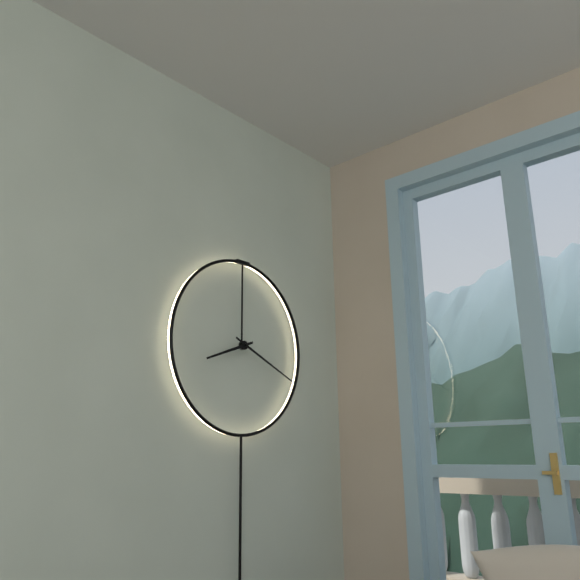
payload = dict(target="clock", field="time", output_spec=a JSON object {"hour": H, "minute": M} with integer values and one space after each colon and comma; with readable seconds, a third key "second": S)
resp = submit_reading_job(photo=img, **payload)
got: {"hour": 8, "minute": 19}
